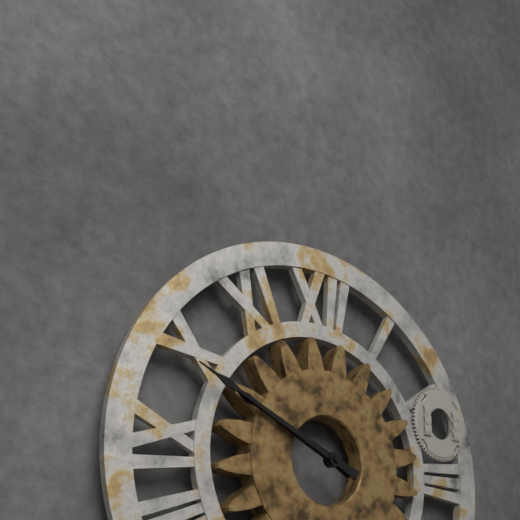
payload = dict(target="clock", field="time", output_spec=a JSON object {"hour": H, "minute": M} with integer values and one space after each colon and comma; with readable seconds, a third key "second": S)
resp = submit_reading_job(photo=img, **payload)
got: {"hour": 9, "minute": 49}
